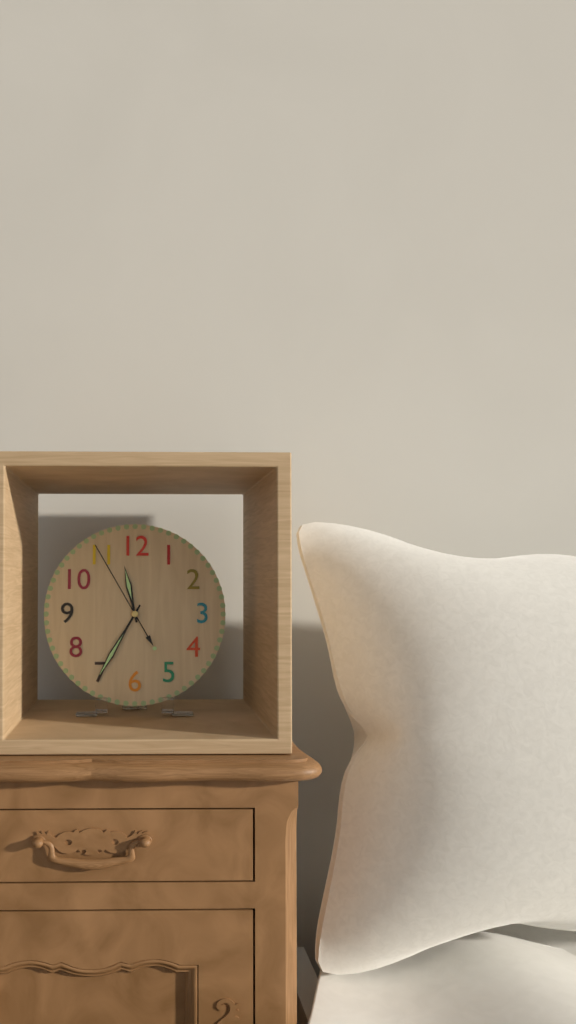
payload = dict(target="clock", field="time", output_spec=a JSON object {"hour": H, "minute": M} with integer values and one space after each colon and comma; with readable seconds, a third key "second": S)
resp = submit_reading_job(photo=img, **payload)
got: {"hour": 11, "minute": 35, "second": 55}
